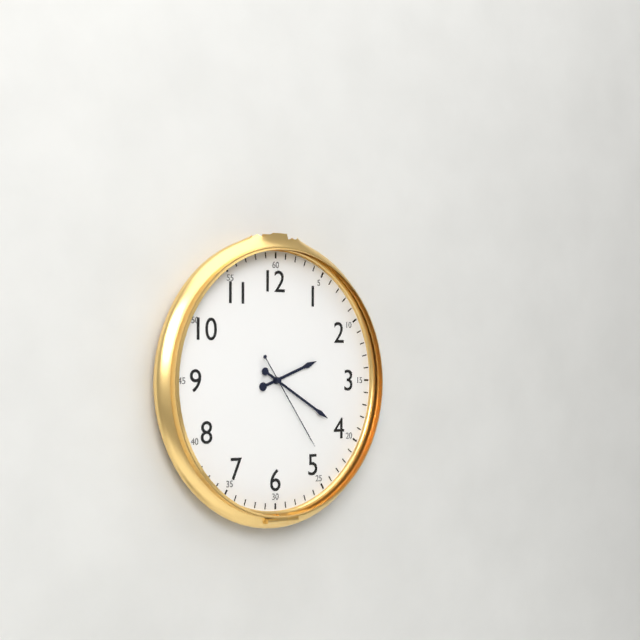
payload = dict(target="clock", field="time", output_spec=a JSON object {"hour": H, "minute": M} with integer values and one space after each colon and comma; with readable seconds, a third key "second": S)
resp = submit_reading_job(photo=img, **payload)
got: {"hour": 2, "minute": 20, "second": 24}
